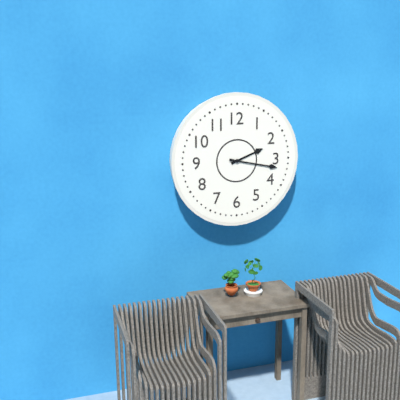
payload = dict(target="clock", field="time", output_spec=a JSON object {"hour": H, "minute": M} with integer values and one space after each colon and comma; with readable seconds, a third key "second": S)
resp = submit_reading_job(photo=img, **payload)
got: {"hour": 2, "minute": 17}
